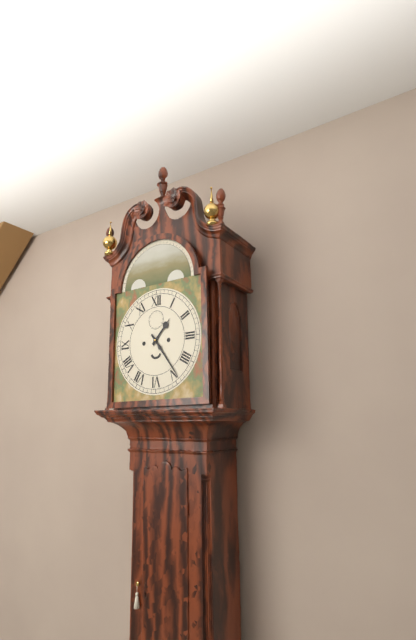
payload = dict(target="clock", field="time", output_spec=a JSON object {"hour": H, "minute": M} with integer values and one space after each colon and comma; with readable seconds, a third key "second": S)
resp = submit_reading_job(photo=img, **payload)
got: {"hour": 1, "minute": 24}
